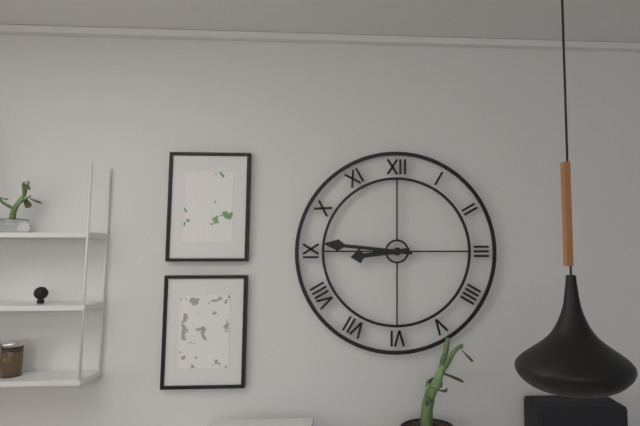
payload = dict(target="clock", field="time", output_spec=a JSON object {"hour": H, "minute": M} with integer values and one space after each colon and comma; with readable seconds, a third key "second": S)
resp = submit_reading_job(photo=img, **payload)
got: {"hour": 8, "minute": 46}
